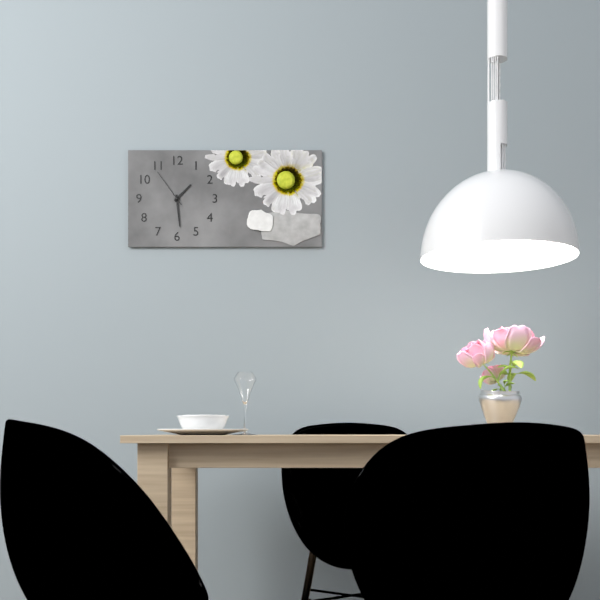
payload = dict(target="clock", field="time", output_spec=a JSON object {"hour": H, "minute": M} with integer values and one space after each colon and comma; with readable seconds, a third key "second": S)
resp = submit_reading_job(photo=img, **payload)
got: {"hour": 1, "minute": 29}
